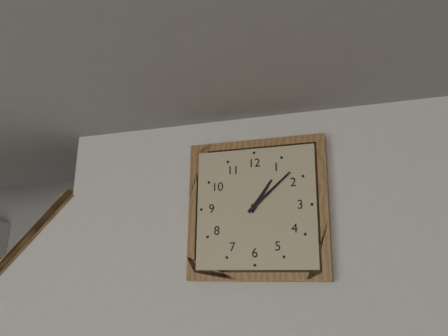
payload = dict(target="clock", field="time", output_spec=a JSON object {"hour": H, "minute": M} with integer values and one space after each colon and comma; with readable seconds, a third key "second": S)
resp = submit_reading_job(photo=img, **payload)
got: {"hour": 1, "minute": 8}
